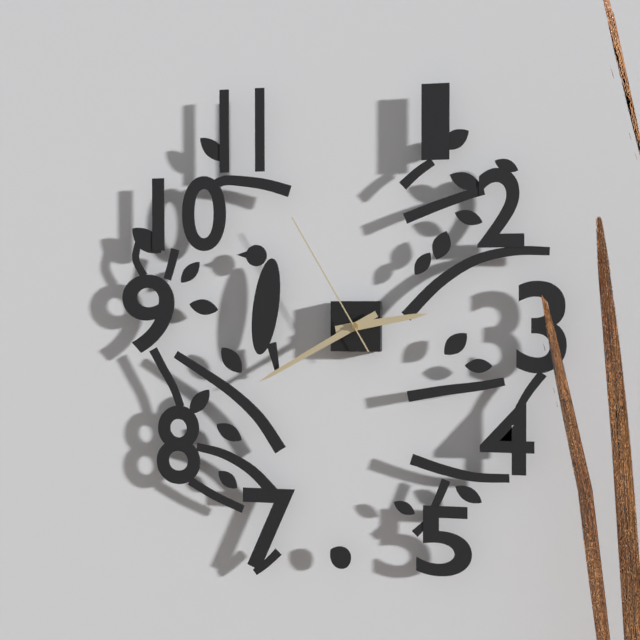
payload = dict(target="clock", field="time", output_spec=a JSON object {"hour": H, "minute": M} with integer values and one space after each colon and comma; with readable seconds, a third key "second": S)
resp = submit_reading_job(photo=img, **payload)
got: {"hour": 2, "minute": 40, "second": 55}
